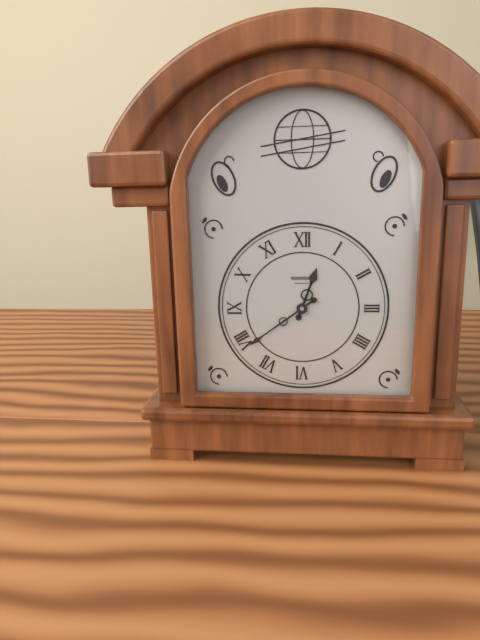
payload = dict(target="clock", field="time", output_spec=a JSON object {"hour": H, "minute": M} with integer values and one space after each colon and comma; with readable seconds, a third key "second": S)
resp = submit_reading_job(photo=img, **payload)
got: {"hour": 12, "minute": 39}
